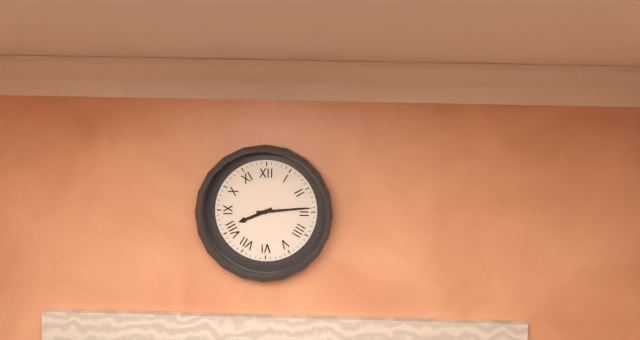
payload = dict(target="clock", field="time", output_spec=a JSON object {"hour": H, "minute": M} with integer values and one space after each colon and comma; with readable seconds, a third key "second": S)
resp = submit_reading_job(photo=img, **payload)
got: {"hour": 8, "minute": 14}
